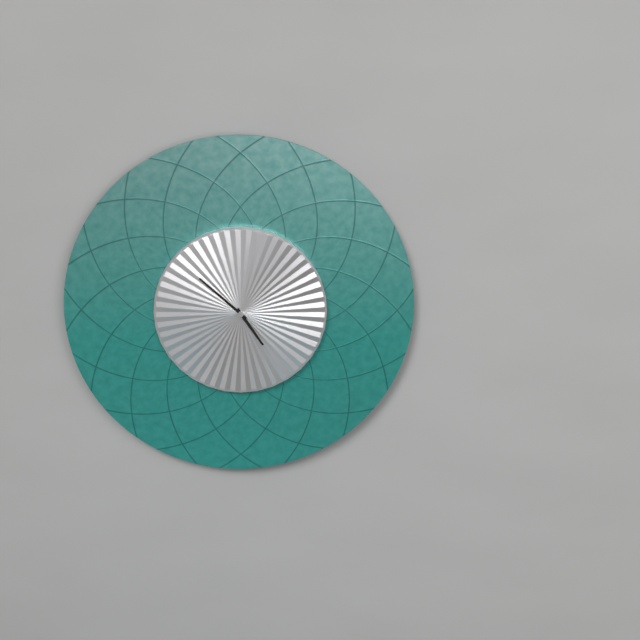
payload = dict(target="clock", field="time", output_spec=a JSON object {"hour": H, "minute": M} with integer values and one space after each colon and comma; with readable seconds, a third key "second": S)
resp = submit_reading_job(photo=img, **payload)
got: {"hour": 4, "minute": 52}
